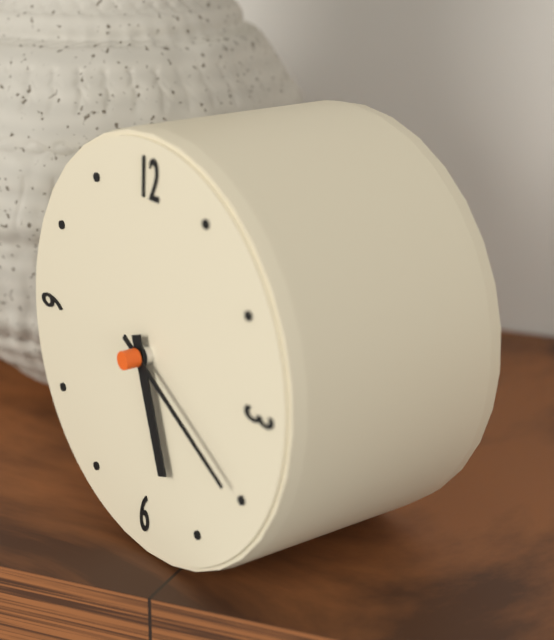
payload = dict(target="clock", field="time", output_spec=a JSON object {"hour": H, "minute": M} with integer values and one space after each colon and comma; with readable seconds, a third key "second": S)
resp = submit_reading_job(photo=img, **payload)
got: {"hour": 5, "minute": 20}
